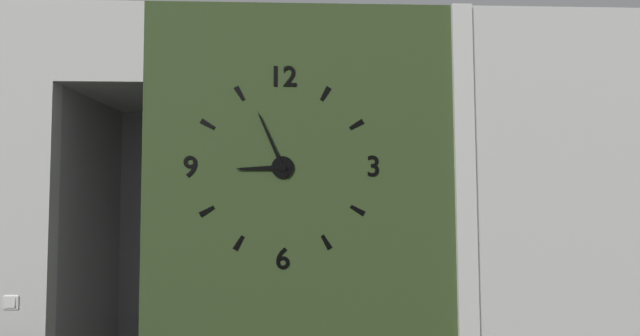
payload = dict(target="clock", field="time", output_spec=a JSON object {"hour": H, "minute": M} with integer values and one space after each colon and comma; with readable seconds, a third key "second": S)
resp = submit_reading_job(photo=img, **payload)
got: {"hour": 8, "minute": 56}
